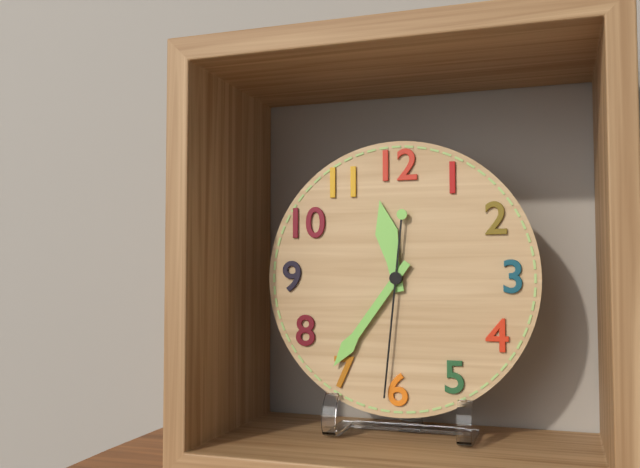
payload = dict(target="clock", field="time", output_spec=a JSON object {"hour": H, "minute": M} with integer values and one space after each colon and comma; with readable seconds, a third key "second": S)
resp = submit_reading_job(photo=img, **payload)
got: {"hour": 11, "minute": 36, "second": 31}
